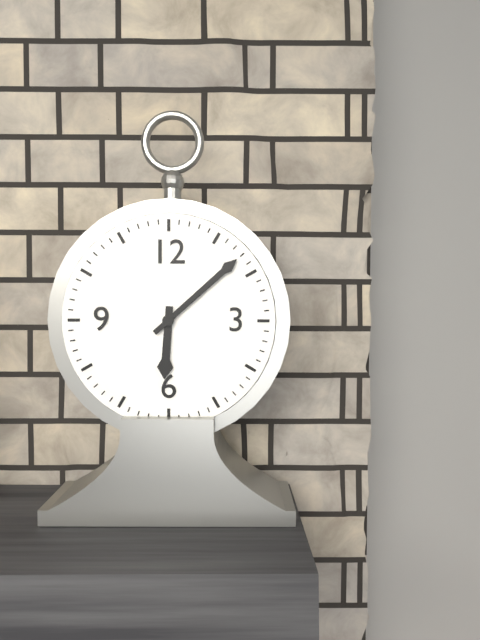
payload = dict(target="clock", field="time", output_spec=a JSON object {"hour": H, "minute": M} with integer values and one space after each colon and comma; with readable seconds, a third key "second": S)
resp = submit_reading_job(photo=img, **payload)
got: {"hour": 6, "minute": 8}
